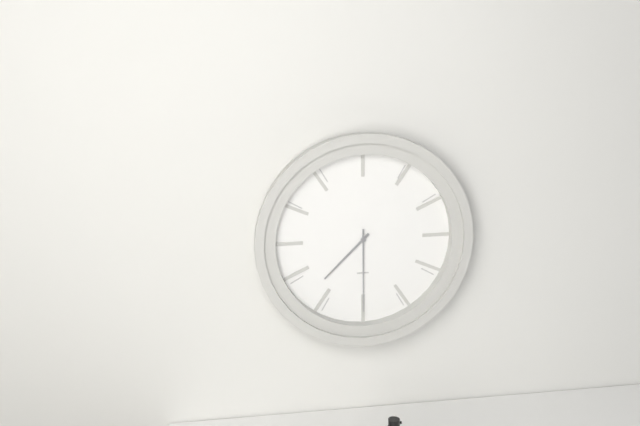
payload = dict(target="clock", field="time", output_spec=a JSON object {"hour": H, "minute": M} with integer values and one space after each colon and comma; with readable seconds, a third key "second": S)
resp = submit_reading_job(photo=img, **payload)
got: {"hour": 7, "minute": 30}
